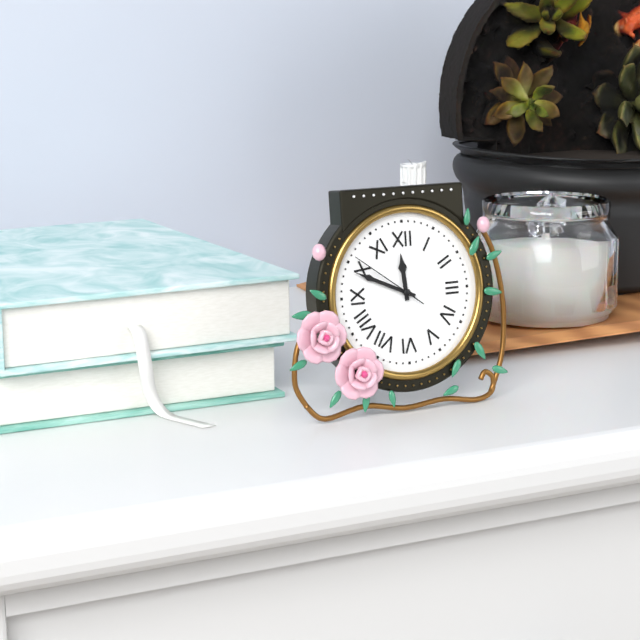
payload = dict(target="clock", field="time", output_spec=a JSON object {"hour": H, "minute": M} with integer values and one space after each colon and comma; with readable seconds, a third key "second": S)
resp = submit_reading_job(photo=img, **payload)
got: {"hour": 11, "minute": 49, "second": 51}
